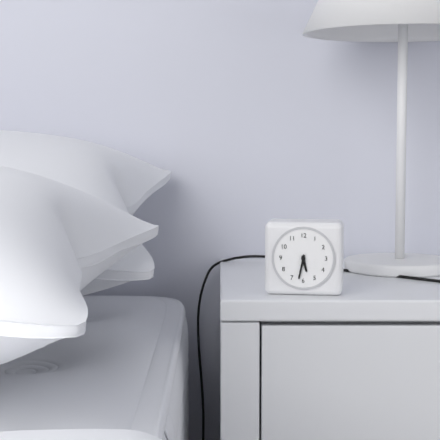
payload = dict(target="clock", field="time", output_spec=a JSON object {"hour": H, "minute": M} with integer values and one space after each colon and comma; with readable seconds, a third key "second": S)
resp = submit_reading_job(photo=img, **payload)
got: {"hour": 5, "minute": 32}
